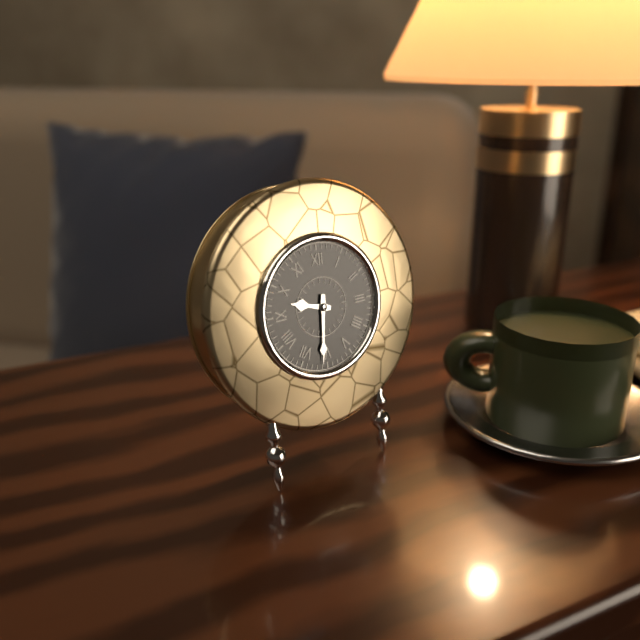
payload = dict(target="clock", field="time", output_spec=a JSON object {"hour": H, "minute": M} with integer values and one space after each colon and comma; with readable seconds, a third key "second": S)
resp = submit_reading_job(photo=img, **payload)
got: {"hour": 9, "minute": 31}
